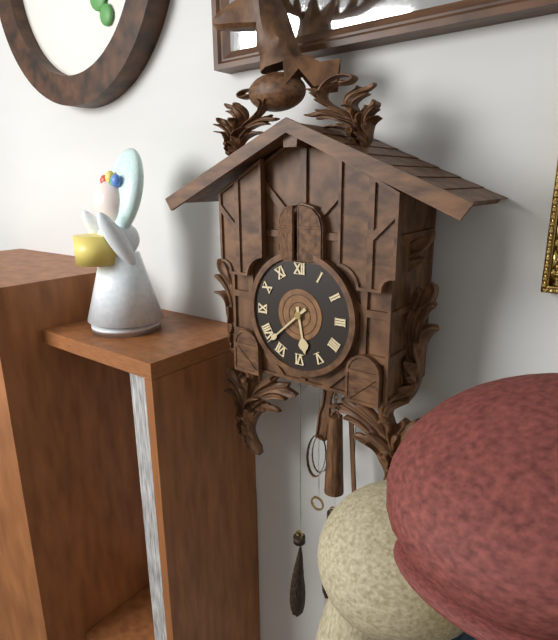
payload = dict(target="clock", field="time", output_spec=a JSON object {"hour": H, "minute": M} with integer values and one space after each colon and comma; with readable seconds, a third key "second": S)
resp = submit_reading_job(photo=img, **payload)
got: {"hour": 5, "minute": 38}
